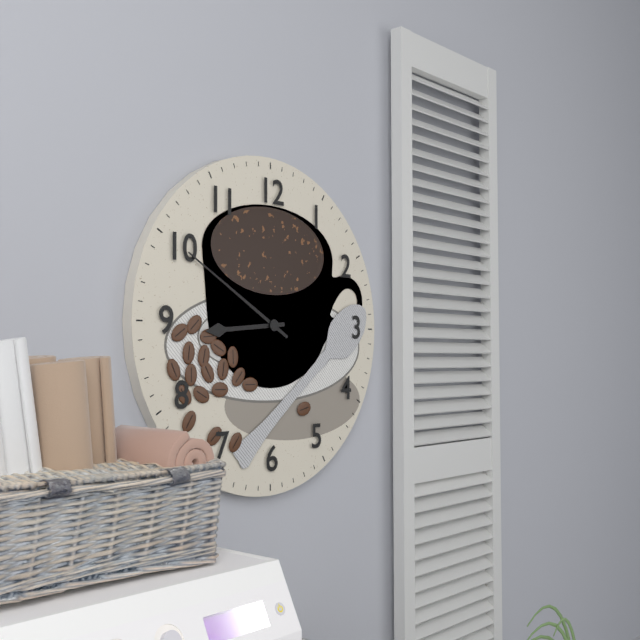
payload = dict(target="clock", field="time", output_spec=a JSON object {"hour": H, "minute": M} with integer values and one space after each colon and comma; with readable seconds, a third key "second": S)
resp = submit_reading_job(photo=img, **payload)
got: {"hour": 8, "minute": 50}
